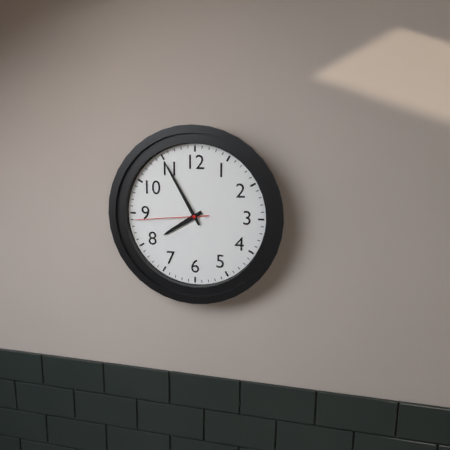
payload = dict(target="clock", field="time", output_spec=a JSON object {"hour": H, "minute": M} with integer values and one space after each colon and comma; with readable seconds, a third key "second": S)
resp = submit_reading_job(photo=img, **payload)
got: {"hour": 7, "minute": 55, "second": 44}
